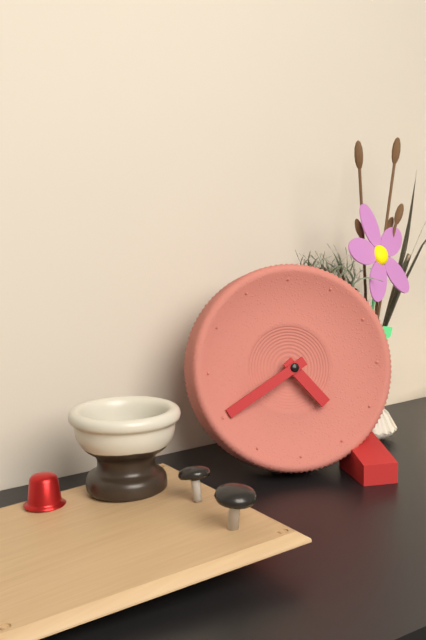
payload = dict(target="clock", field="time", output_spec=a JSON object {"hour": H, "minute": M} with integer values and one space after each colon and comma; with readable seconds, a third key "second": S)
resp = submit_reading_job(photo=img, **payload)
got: {"hour": 4, "minute": 40}
